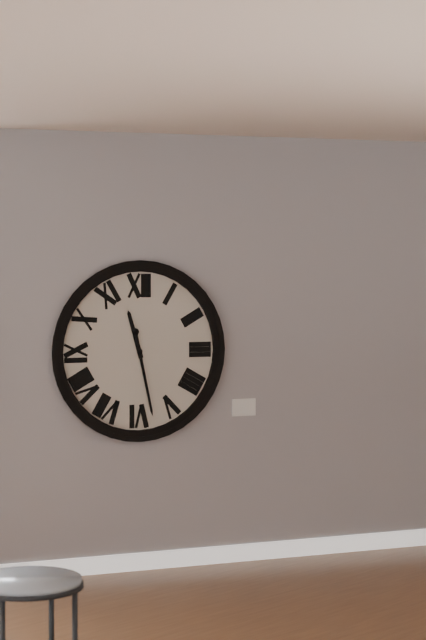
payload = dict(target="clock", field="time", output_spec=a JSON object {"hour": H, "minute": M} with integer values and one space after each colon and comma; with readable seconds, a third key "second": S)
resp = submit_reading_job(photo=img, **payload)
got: {"hour": 11, "minute": 28}
